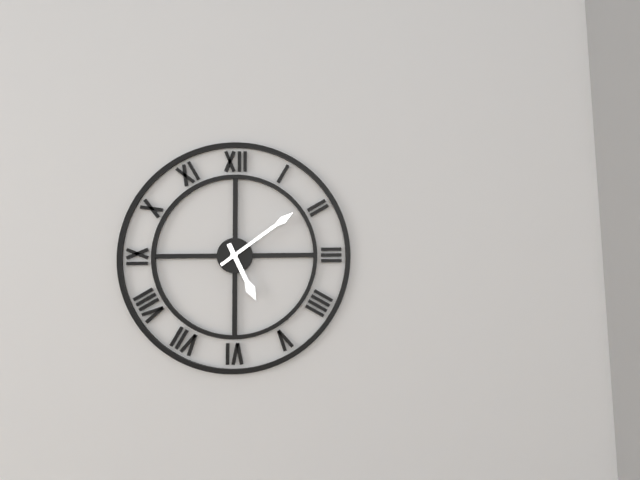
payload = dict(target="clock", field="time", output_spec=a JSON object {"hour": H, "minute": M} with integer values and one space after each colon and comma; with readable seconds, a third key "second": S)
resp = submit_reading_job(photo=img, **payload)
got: {"hour": 5, "minute": 9}
